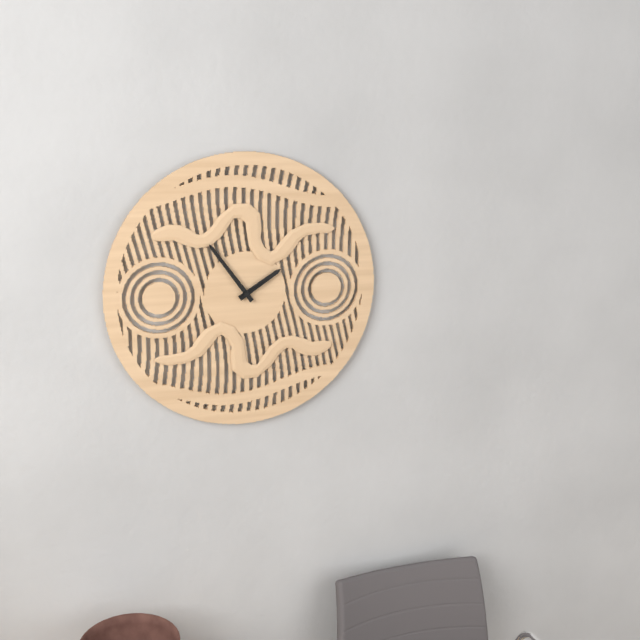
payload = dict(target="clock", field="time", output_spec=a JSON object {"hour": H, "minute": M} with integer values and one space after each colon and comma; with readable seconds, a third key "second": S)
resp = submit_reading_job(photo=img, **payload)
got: {"hour": 1, "minute": 54}
